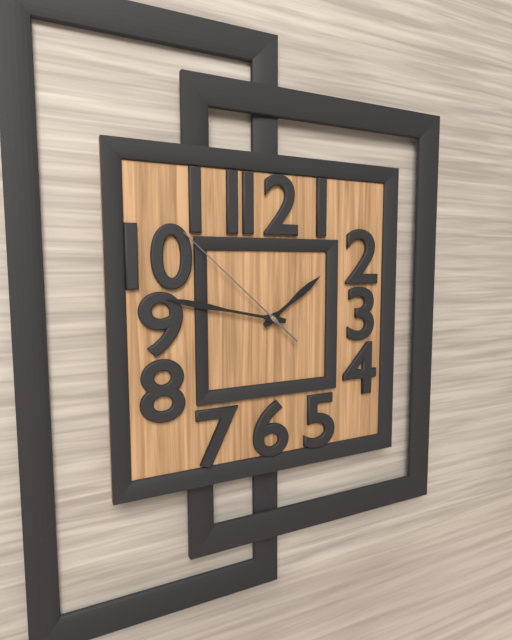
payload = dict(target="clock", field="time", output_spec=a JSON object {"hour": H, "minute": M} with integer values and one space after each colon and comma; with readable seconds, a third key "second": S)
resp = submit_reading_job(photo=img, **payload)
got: {"hour": 1, "minute": 47, "second": 52}
